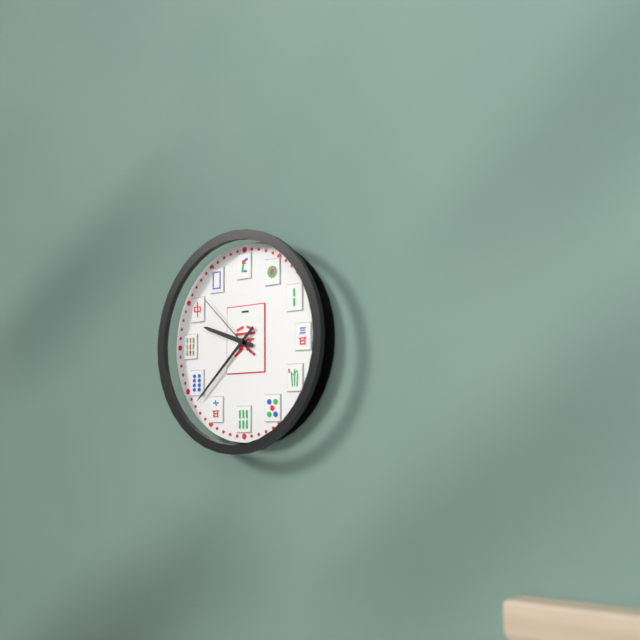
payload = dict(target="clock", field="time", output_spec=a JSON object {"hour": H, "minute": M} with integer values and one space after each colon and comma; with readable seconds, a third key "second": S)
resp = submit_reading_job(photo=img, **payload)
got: {"hour": 9, "minute": 38, "second": 52}
